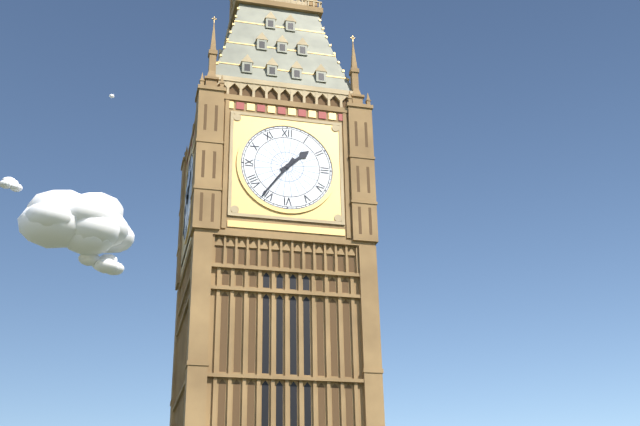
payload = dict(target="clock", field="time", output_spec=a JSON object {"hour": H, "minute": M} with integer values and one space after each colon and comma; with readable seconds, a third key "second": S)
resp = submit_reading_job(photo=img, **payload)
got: {"hour": 1, "minute": 36}
